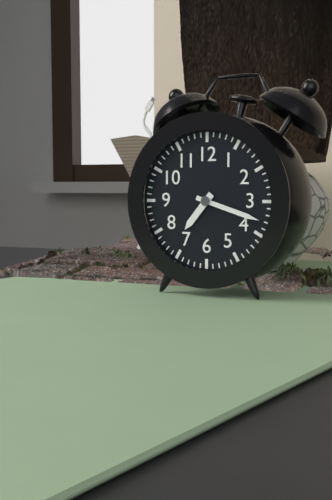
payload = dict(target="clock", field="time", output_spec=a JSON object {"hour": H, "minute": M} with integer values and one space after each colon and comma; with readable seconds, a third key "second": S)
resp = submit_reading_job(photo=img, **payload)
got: {"hour": 7, "minute": 18}
